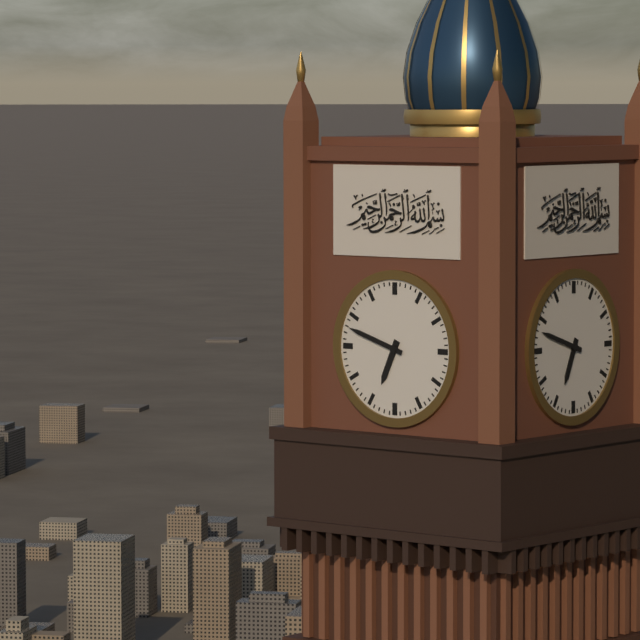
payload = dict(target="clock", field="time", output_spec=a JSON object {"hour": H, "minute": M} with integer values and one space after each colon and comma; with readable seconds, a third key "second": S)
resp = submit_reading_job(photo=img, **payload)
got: {"hour": 6, "minute": 48}
